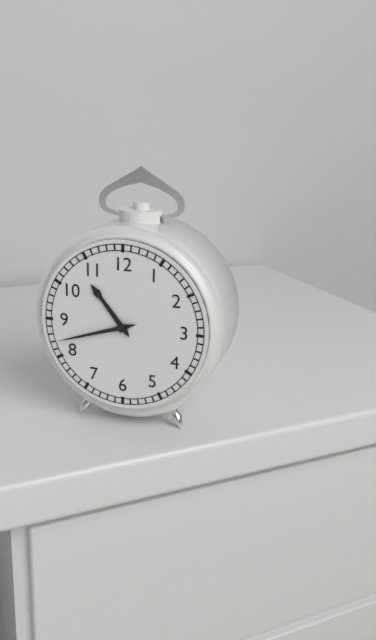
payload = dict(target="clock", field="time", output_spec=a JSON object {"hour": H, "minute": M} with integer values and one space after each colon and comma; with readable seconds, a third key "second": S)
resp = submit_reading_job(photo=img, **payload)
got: {"hour": 10, "minute": 42}
